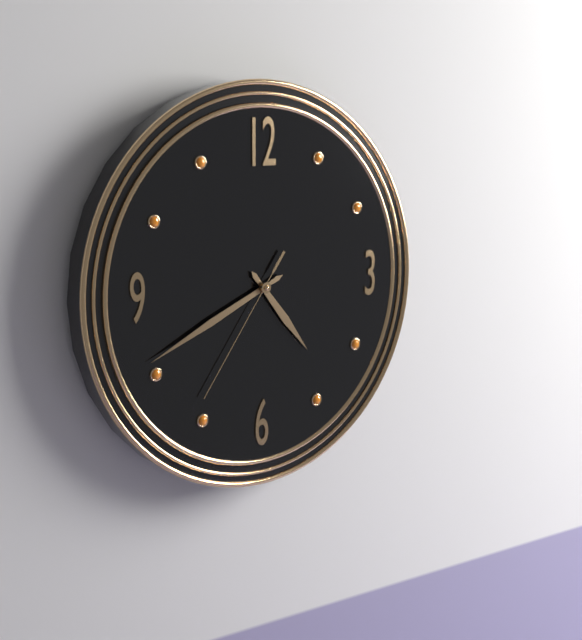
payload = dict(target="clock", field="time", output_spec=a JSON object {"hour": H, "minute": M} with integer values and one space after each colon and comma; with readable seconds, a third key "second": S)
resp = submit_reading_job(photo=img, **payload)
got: {"hour": 4, "minute": 41, "second": 36}
